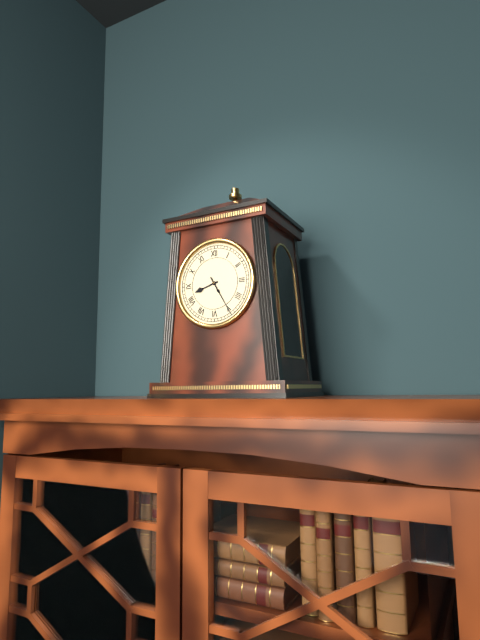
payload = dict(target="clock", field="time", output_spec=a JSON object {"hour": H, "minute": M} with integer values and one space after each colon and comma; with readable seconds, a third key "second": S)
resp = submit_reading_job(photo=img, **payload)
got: {"hour": 8, "minute": 25}
